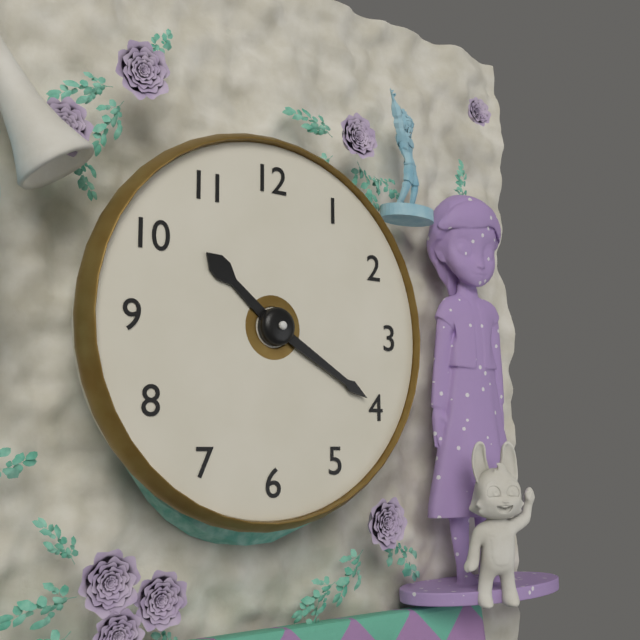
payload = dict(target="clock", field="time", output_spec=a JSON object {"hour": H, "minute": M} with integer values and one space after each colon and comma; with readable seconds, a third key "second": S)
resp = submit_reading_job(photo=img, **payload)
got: {"hour": 10, "minute": 20}
